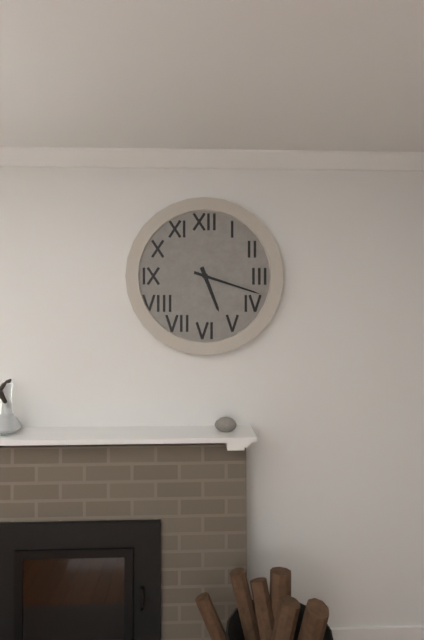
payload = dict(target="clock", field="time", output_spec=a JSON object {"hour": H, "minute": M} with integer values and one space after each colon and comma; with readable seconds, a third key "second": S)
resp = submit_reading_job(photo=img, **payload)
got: {"hour": 5, "minute": 18}
